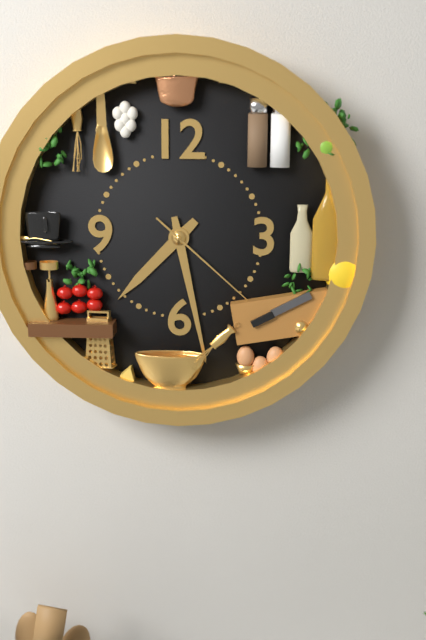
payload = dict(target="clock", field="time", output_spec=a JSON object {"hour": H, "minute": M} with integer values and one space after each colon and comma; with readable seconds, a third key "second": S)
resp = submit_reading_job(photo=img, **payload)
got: {"hour": 7, "minute": 28, "second": 22}
